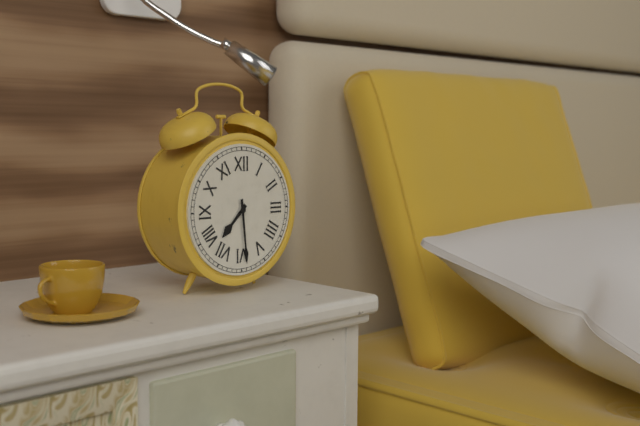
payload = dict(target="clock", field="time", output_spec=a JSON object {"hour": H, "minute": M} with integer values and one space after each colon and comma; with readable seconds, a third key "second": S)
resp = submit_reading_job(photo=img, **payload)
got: {"hour": 7, "minute": 29}
